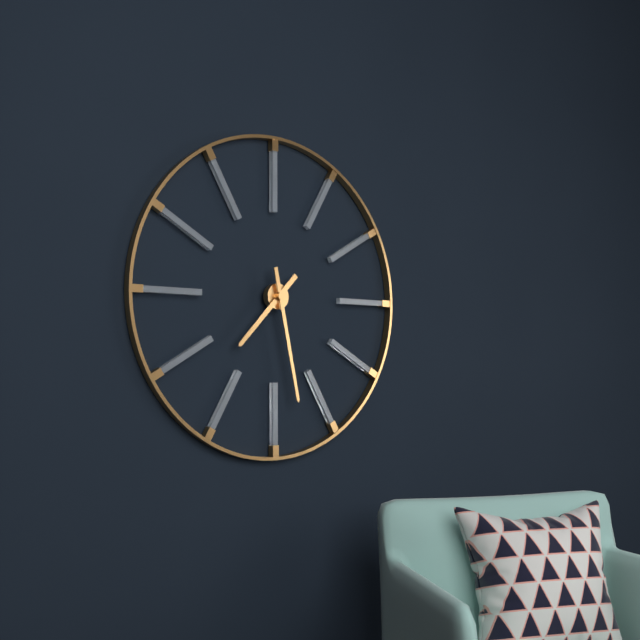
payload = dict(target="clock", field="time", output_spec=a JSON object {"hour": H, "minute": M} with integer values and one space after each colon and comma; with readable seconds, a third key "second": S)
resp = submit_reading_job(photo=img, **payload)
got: {"hour": 7, "minute": 28}
